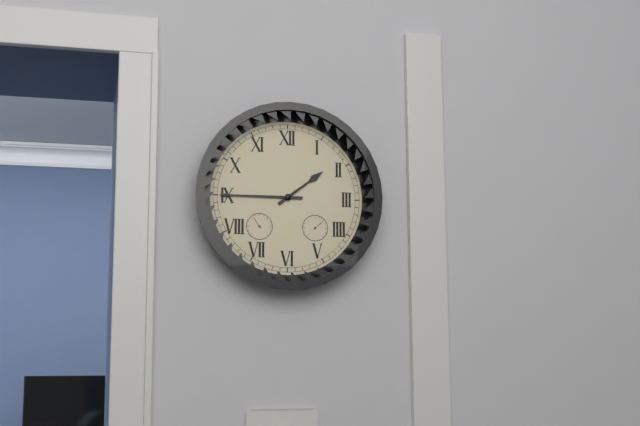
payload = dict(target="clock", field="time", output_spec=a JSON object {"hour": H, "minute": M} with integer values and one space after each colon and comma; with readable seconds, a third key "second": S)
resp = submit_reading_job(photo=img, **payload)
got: {"hour": 1, "minute": 45}
